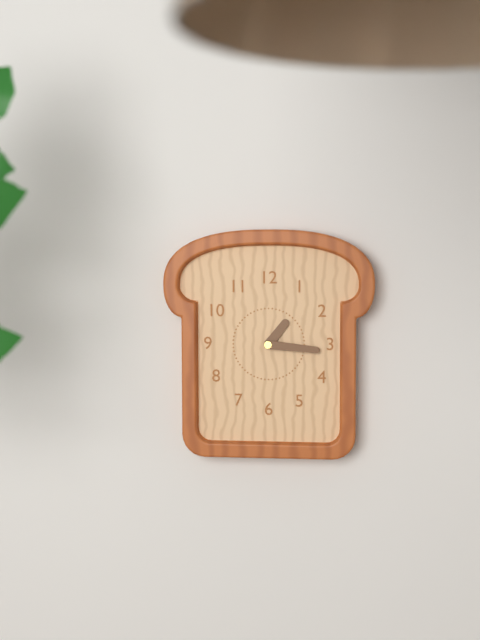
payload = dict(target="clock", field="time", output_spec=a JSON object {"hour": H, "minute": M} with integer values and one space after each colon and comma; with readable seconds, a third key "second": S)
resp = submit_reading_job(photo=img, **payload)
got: {"hour": 1, "minute": 16}
